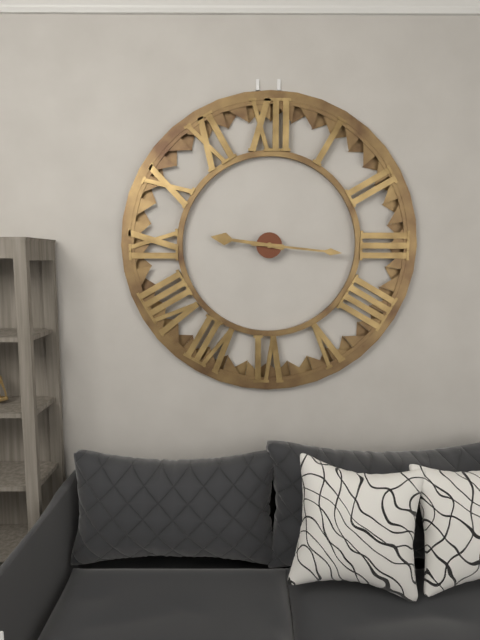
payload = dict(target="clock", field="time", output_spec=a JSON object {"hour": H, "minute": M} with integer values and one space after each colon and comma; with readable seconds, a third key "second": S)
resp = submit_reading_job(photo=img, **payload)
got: {"hour": 9, "minute": 16}
